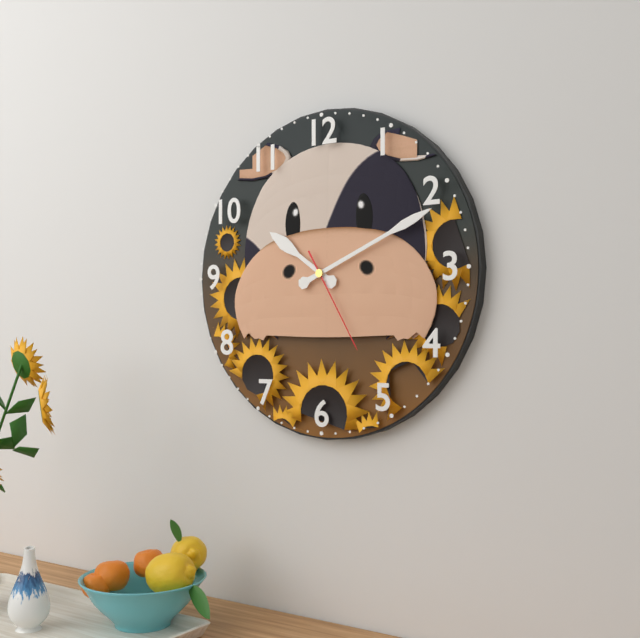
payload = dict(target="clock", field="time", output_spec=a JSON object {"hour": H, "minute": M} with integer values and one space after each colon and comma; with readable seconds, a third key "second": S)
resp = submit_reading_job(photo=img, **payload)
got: {"hour": 10, "minute": 11, "second": 25}
